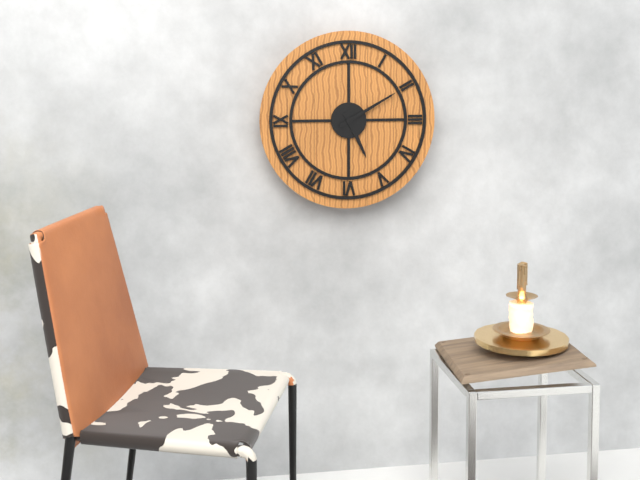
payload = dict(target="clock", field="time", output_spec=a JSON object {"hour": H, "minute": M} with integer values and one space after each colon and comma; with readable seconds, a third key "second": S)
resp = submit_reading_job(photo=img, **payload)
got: {"hour": 5, "minute": 10}
